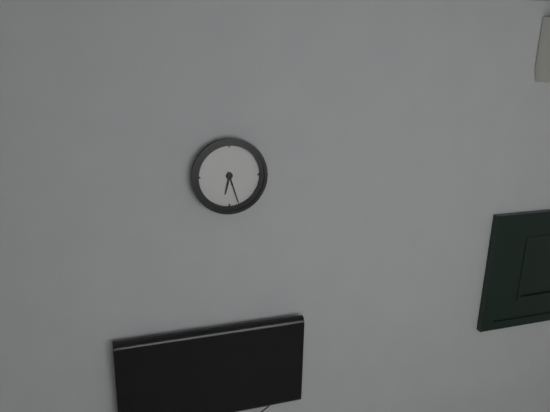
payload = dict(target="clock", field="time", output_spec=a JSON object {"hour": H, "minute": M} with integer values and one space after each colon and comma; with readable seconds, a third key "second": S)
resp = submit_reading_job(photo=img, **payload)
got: {"hour": 6, "minute": 27}
